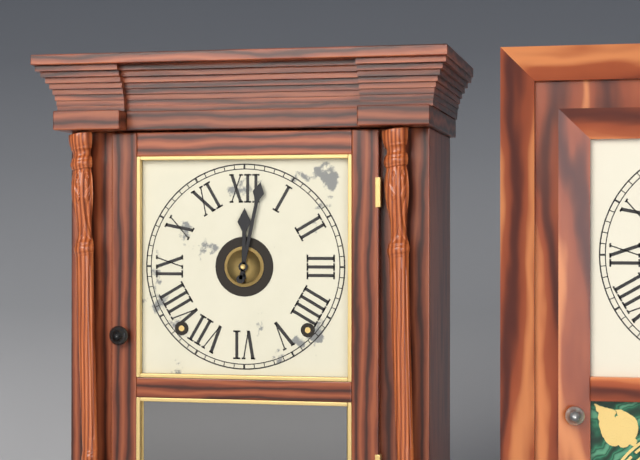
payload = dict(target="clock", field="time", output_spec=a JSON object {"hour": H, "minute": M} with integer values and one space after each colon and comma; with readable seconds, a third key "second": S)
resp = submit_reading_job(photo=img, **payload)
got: {"hour": 12, "minute": 2}
